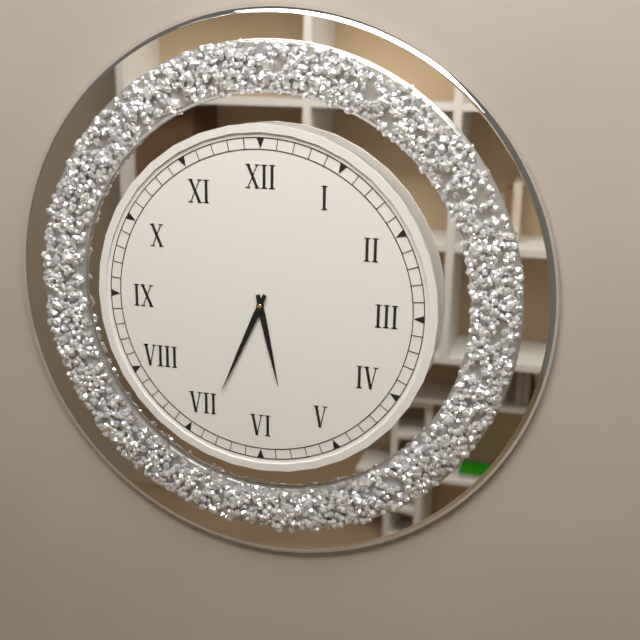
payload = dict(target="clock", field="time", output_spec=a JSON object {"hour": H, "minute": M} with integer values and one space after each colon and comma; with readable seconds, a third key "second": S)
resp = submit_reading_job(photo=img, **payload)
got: {"hour": 5, "minute": 34}
